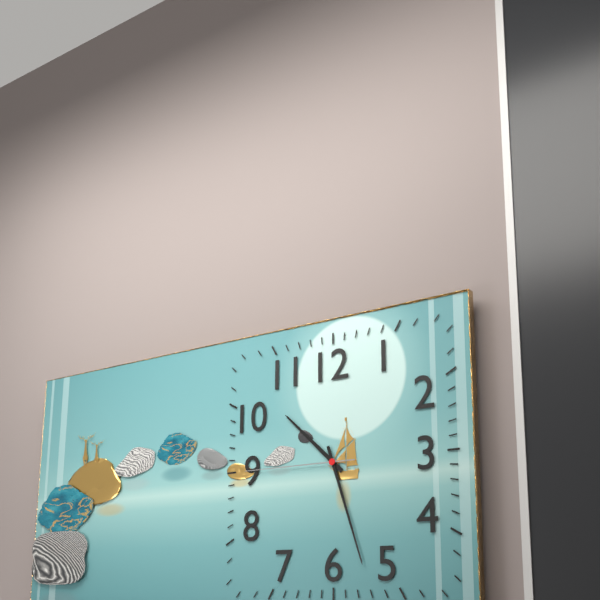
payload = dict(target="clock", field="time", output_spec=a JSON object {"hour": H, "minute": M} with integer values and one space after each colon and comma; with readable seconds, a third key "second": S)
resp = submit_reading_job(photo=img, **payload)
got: {"hour": 10, "minute": 27, "second": 45}
